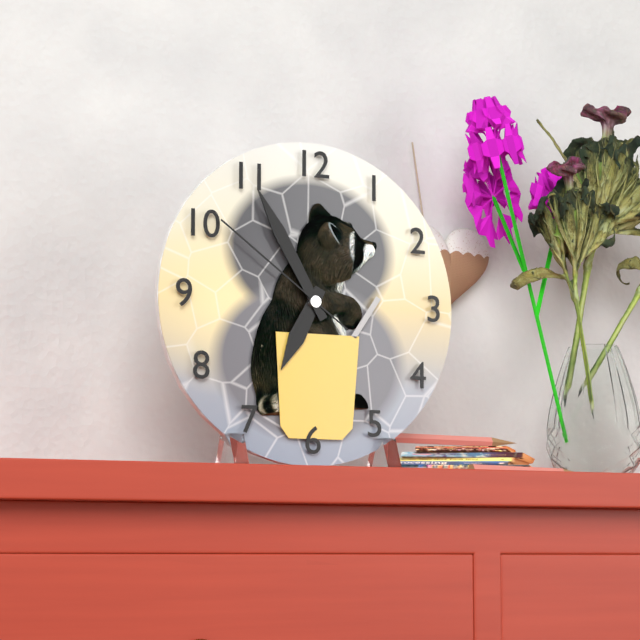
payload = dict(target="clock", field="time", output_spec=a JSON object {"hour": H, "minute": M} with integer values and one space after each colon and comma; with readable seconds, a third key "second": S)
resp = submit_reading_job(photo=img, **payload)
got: {"hour": 6, "minute": 55, "second": 51}
